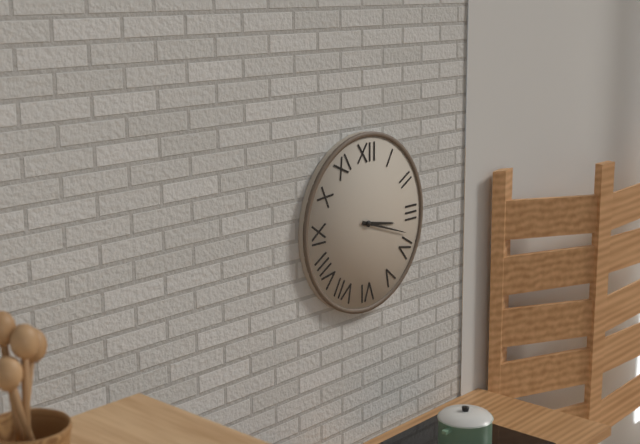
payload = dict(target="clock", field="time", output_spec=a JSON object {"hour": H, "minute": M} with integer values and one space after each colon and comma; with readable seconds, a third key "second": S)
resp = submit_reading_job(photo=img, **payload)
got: {"hour": 3, "minute": 18}
